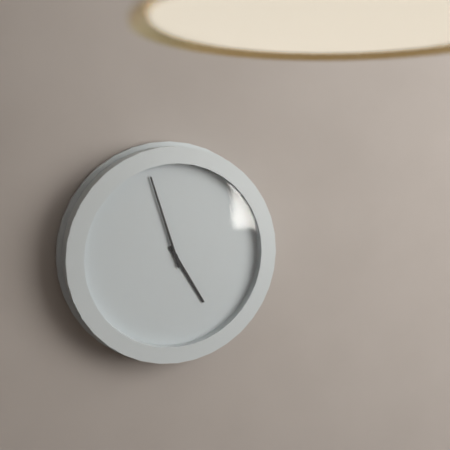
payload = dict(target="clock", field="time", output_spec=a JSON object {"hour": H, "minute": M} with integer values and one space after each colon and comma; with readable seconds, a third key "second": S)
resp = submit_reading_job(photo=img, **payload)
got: {"hour": 4, "minute": 57}
